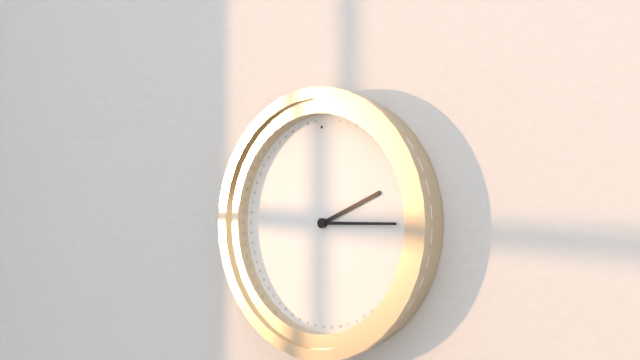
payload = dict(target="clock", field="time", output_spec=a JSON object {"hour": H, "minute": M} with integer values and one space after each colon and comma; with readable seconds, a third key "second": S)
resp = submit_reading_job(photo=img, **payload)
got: {"hour": 2, "minute": 15}
